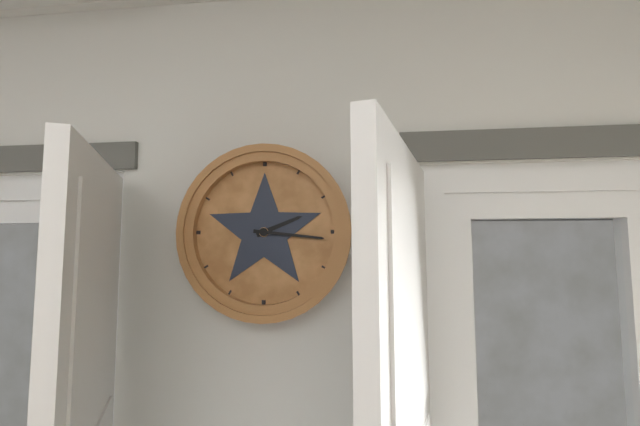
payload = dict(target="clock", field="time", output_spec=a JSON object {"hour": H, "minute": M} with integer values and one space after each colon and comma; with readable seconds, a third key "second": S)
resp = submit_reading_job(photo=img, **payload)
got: {"hour": 2, "minute": 16}
